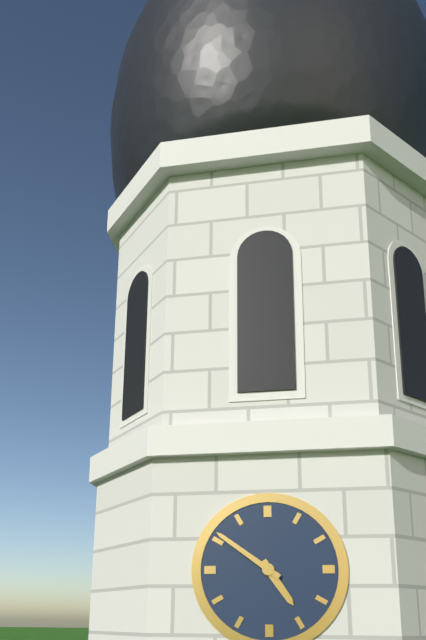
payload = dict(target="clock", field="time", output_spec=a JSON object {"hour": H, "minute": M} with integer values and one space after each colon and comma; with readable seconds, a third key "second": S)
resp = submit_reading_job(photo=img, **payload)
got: {"hour": 4, "minute": 51}
